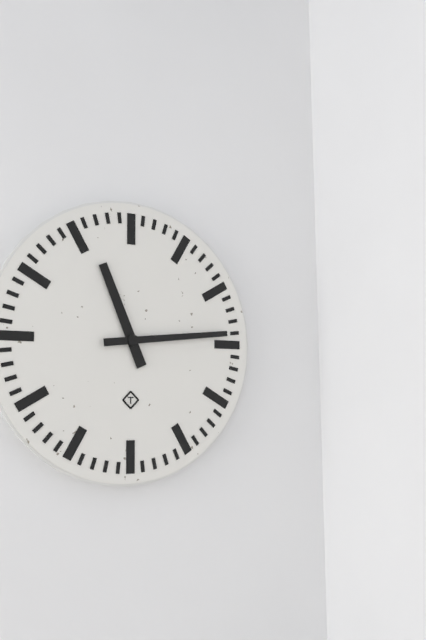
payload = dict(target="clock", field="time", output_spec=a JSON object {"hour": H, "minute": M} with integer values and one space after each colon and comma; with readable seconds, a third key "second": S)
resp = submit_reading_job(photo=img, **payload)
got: {"hour": 11, "minute": 14}
